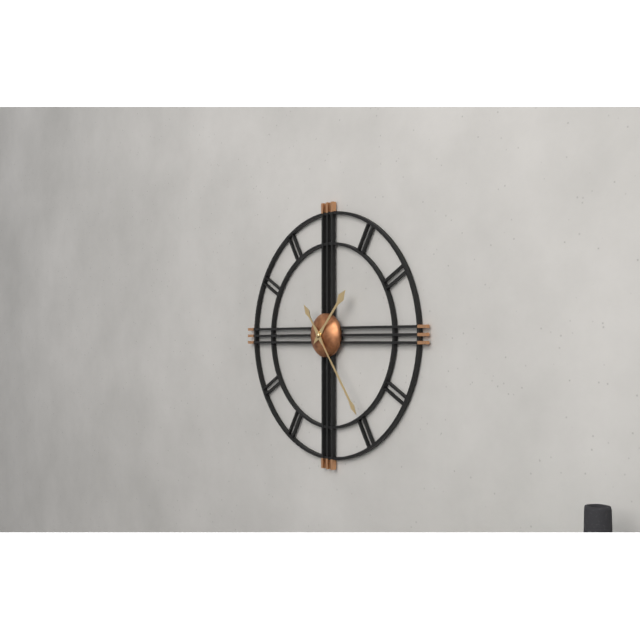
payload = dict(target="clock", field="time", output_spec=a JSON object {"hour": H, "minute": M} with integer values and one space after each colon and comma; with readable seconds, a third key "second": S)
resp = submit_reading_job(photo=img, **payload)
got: {"hour": 1, "minute": 24}
